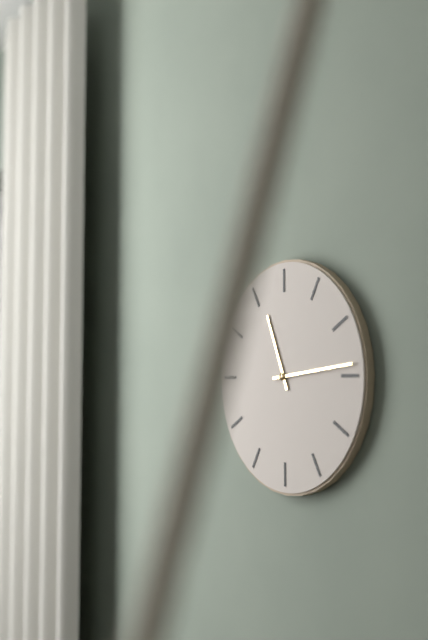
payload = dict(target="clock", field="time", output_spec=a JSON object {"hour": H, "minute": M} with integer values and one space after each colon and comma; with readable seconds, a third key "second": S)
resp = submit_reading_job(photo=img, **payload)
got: {"hour": 11, "minute": 14}
